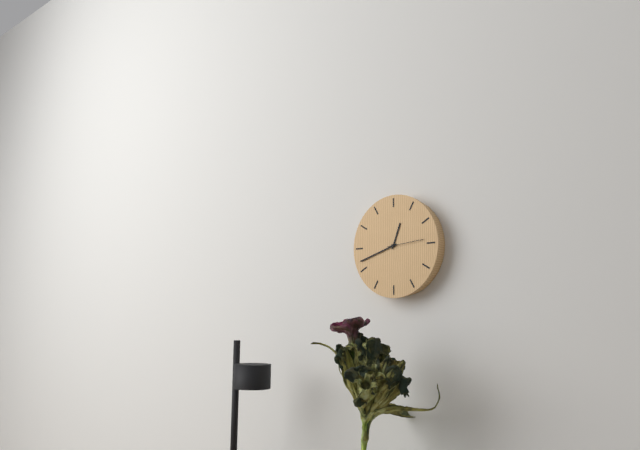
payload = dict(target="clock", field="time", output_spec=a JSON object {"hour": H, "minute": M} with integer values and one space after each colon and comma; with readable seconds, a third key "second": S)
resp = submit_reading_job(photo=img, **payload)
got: {"hour": 12, "minute": 42}
